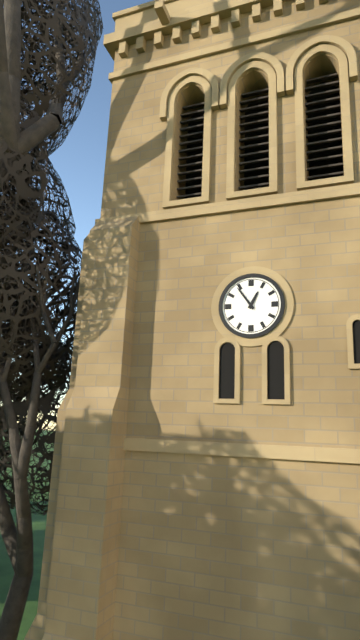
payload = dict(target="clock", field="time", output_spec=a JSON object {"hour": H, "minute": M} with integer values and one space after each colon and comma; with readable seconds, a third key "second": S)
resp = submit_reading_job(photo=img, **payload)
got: {"hour": 12, "minute": 54}
